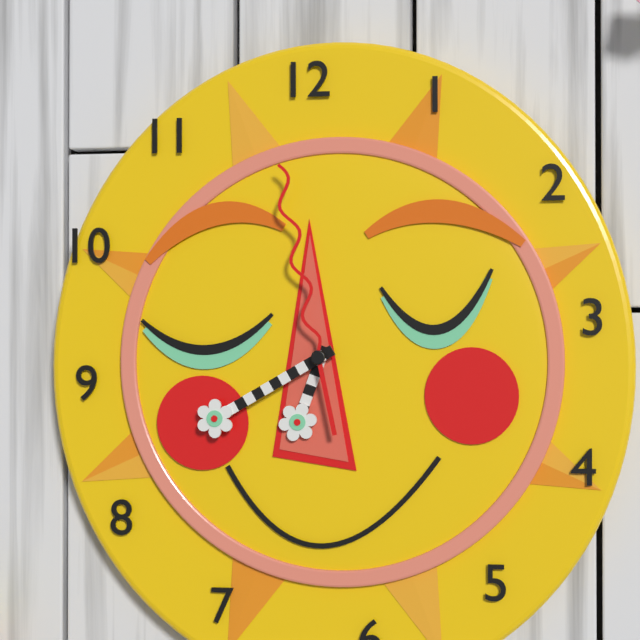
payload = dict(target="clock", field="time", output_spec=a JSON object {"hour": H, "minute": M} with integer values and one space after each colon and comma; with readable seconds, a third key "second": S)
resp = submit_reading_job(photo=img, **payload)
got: {"hour": 6, "minute": 40, "second": 58}
